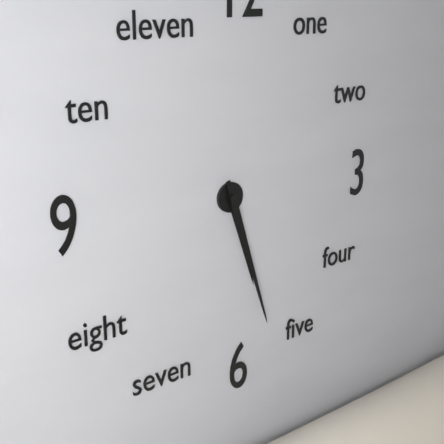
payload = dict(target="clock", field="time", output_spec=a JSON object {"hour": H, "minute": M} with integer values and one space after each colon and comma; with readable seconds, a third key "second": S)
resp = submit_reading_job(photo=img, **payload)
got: {"hour": 5, "minute": 27}
